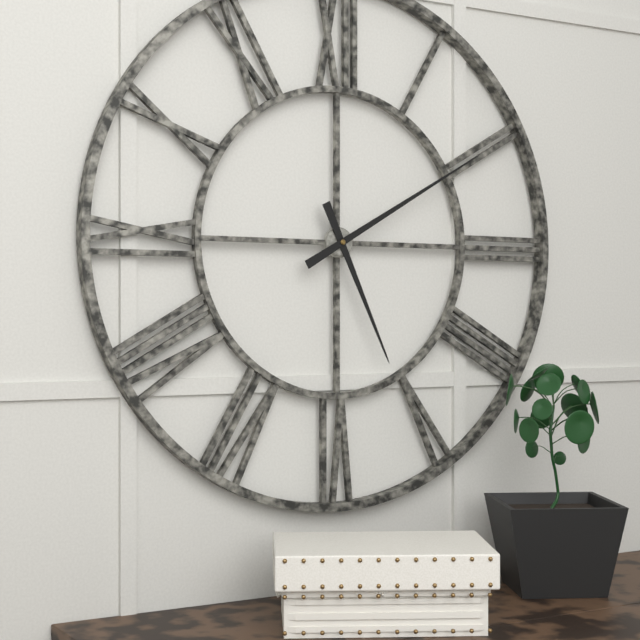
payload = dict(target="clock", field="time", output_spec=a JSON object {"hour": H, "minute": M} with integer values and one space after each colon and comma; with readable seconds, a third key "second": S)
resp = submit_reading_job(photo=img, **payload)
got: {"hour": 5, "minute": 10}
